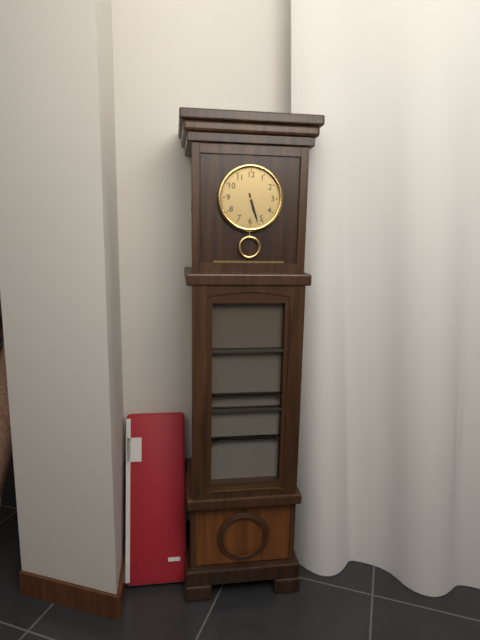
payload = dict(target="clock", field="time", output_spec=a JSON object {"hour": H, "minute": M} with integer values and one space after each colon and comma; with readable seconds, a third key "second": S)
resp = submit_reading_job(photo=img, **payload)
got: {"hour": 5, "minute": 27}
